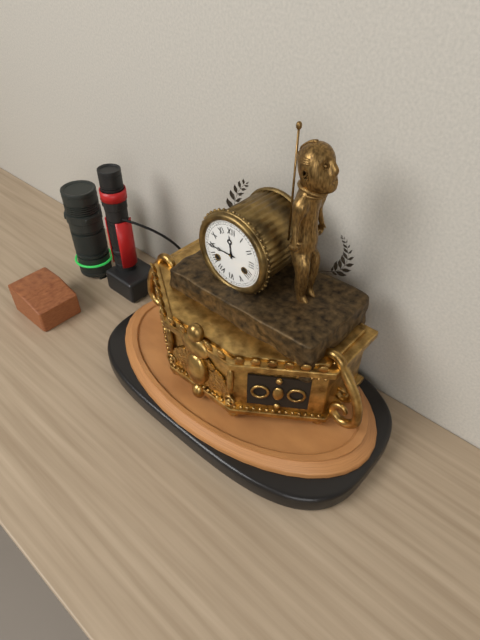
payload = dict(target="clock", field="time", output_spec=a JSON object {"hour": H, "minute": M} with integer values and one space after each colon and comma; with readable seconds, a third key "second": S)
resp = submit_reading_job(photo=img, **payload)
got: {"hour": 11, "minute": 45}
